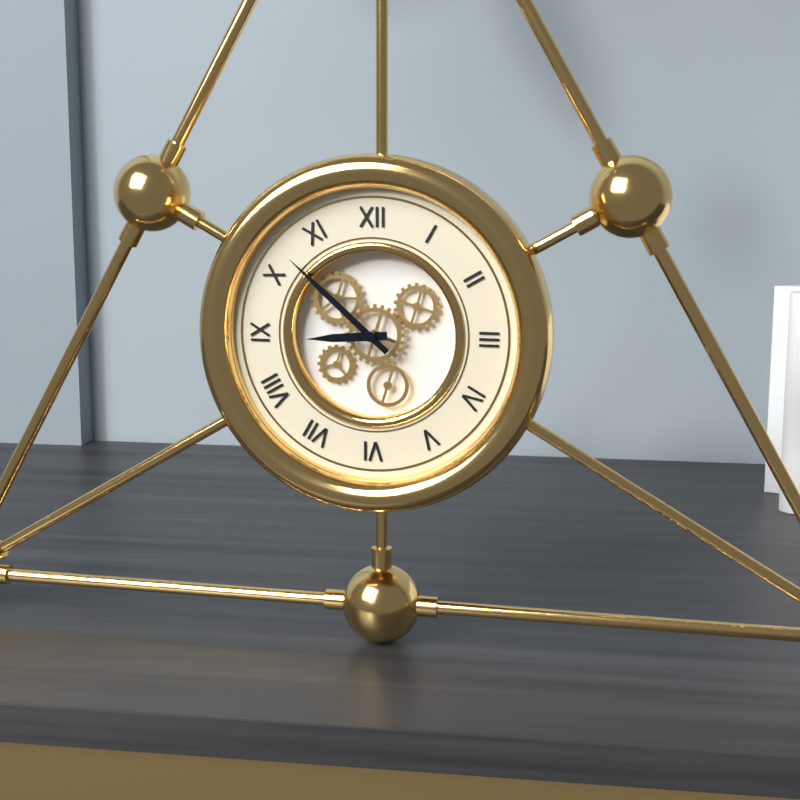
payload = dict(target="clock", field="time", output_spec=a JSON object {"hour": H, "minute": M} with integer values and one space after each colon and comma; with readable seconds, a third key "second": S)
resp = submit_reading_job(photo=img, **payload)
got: {"hour": 8, "minute": 52}
